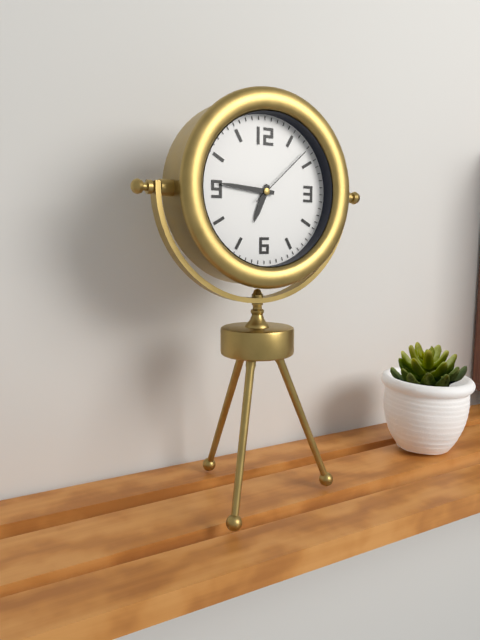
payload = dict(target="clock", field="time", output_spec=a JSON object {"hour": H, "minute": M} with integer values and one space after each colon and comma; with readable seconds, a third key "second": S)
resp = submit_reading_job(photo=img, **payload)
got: {"hour": 6, "minute": 46, "second": 8}
